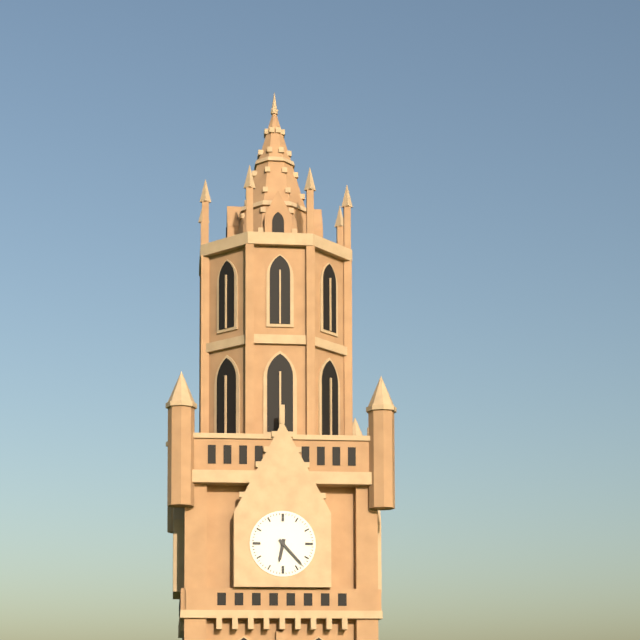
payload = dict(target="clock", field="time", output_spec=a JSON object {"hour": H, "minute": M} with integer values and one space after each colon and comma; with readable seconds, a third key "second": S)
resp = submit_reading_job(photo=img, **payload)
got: {"hour": 6, "minute": 23}
